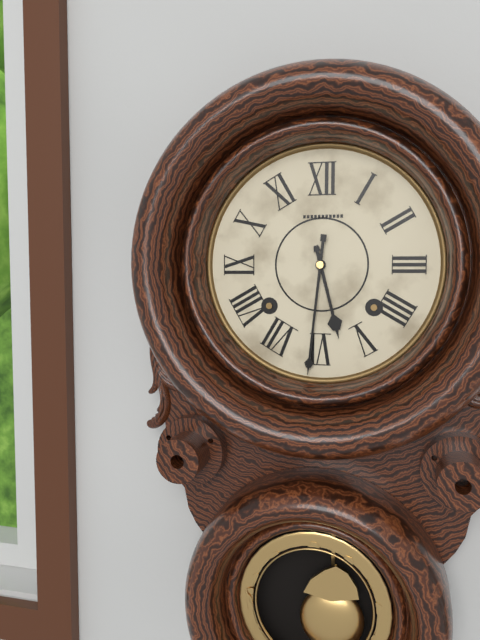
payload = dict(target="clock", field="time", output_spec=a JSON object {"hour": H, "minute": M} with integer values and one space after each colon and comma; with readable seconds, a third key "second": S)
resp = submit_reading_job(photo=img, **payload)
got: {"hour": 5, "minute": 31}
